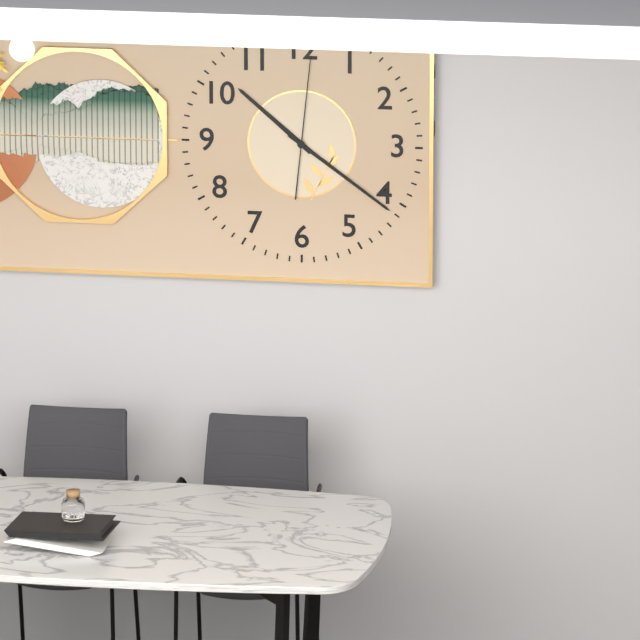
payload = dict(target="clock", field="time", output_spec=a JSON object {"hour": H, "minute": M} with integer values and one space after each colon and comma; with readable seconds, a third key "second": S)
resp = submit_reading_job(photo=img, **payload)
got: {"hour": 10, "minute": 21, "second": 1}
